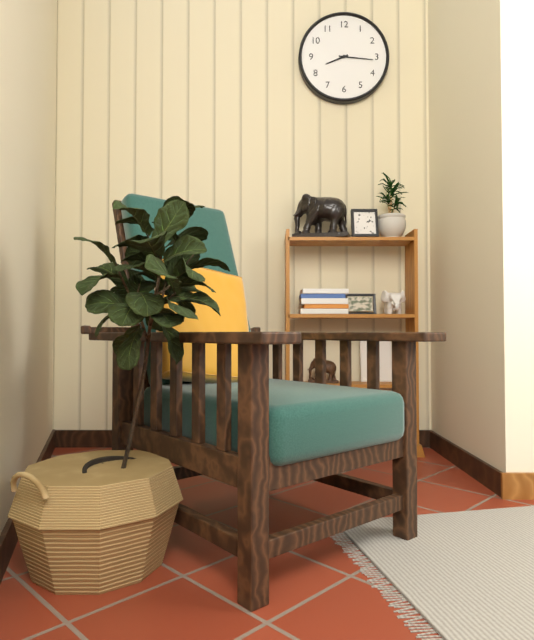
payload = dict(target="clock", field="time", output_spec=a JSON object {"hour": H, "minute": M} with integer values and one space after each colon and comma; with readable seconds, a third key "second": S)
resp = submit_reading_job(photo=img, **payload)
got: {"hour": 8, "minute": 16}
